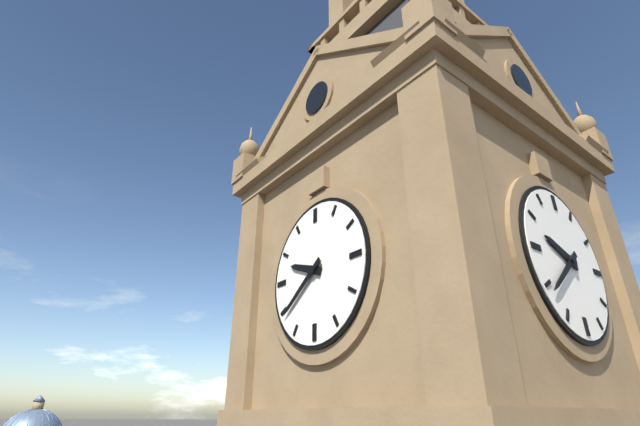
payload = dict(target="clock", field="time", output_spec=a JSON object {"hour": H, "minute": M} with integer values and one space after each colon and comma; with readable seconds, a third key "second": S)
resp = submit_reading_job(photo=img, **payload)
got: {"hour": 9, "minute": 39}
